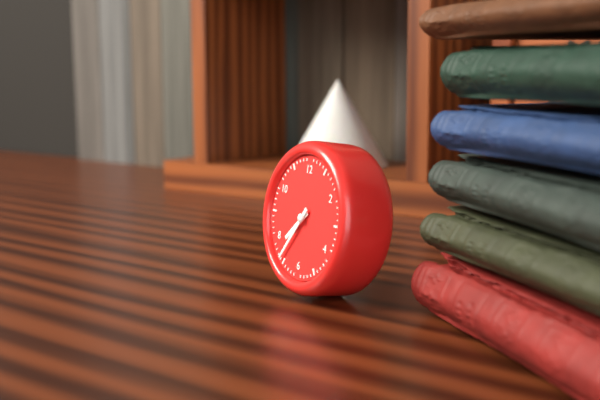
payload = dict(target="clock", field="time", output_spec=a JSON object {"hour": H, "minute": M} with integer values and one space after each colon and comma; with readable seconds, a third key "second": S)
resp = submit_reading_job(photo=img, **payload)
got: {"hour": 7, "minute": 36}
